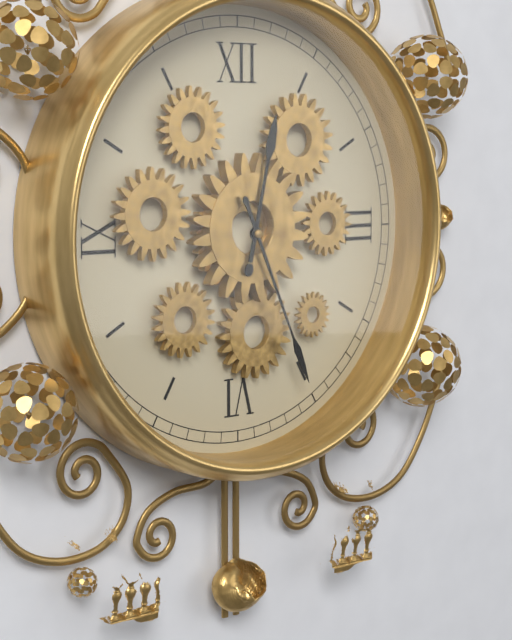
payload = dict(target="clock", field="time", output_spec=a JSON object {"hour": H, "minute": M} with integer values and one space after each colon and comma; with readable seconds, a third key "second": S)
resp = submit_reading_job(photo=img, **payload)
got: {"hour": 12, "minute": 26}
